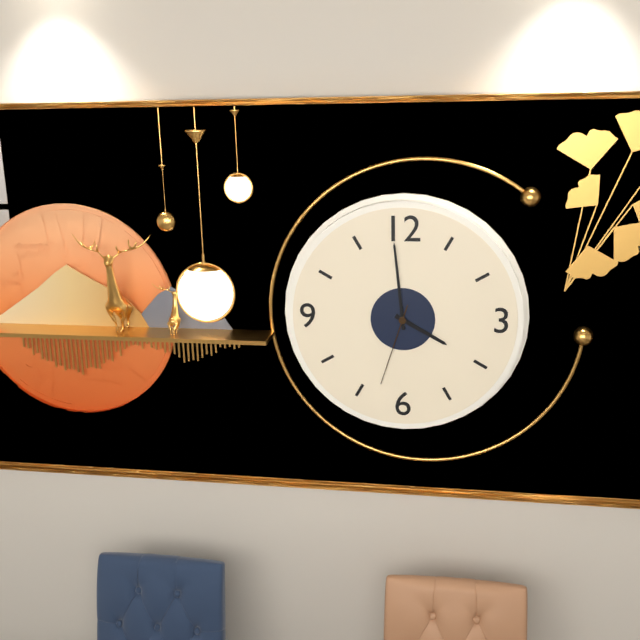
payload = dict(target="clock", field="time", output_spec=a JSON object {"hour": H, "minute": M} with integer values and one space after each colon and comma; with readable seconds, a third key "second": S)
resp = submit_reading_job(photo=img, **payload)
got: {"hour": 3, "minute": 59, "second": 33}
